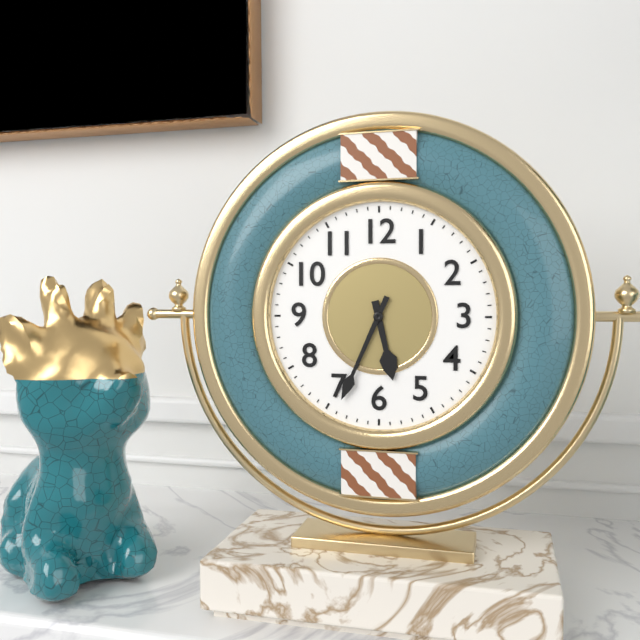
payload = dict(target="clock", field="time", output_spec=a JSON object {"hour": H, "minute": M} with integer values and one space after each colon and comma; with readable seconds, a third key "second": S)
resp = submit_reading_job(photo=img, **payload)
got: {"hour": 5, "minute": 34}
